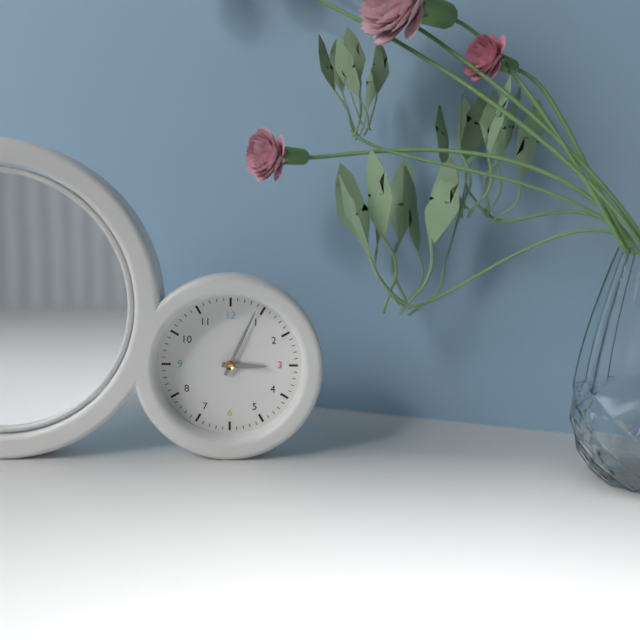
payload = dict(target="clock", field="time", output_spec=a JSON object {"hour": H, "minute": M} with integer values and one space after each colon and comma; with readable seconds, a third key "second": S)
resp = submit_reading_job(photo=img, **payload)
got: {"hour": 3, "minute": 4}
